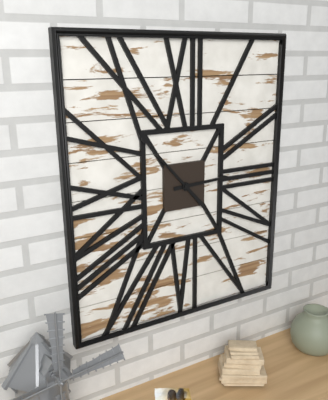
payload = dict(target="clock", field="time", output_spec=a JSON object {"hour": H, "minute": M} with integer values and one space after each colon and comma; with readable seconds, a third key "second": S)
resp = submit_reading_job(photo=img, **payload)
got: {"hour": 2, "minute": 53}
